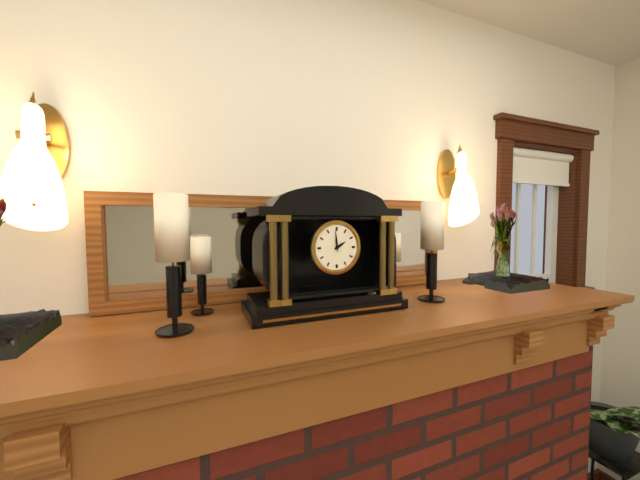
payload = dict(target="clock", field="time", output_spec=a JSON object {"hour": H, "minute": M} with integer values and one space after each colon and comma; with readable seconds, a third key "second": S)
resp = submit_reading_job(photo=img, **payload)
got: {"hour": 1, "minute": 59}
